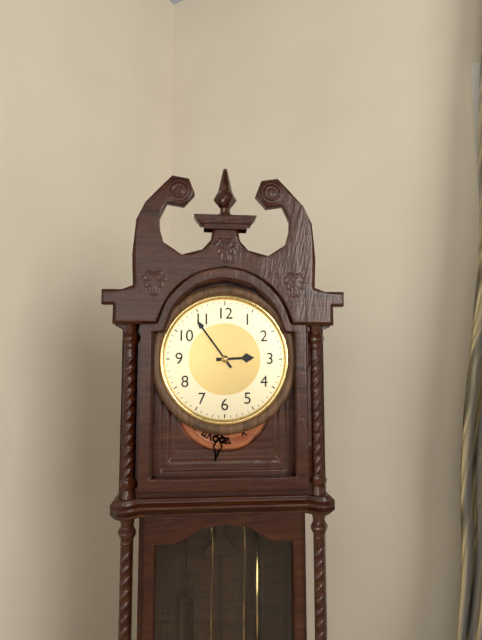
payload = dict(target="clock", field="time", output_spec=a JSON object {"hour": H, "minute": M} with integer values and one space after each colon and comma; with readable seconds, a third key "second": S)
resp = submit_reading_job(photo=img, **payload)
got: {"hour": 2, "minute": 54}
